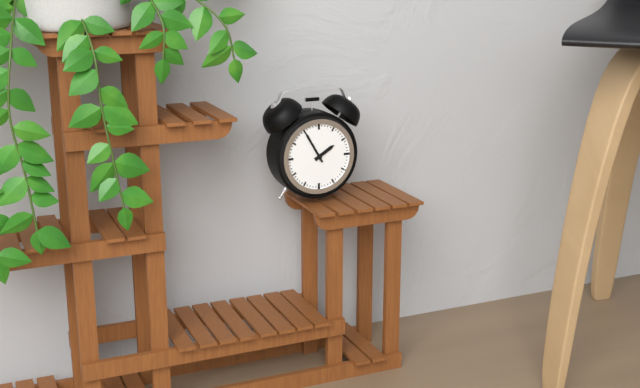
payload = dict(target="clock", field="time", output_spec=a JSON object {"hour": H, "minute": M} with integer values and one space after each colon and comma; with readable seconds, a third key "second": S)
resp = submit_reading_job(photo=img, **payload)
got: {"hour": 1, "minute": 55}
